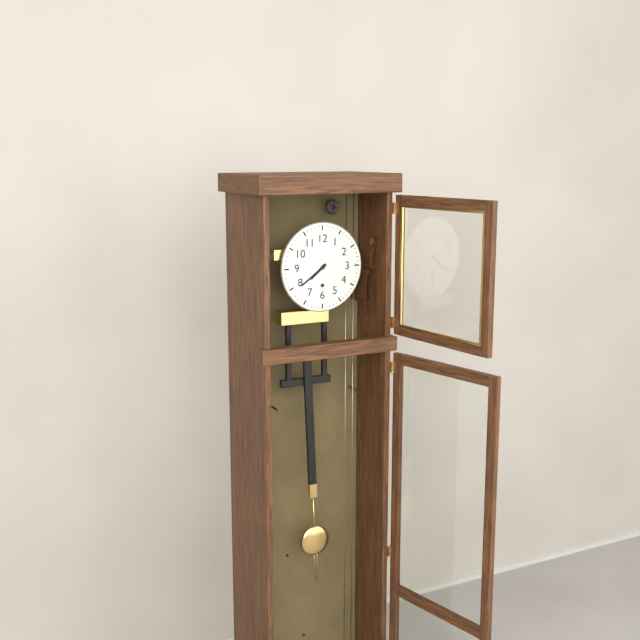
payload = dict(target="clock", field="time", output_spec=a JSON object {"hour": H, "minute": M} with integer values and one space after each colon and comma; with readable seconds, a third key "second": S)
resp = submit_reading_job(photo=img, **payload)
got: {"hour": 7, "minute": 39}
